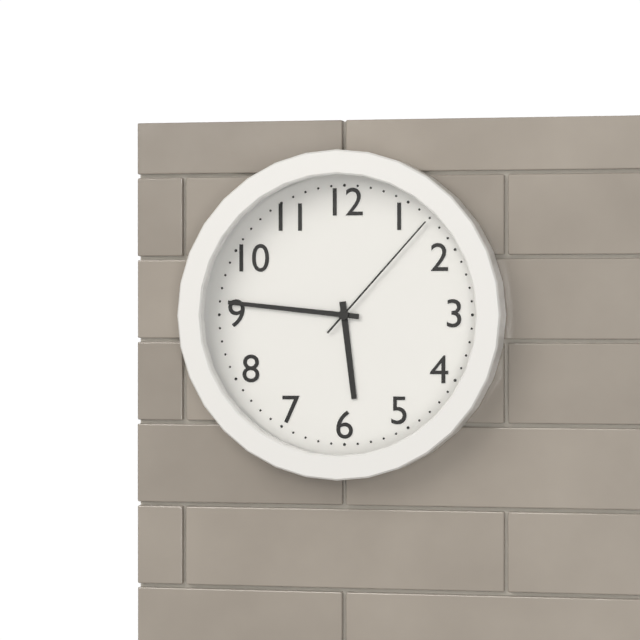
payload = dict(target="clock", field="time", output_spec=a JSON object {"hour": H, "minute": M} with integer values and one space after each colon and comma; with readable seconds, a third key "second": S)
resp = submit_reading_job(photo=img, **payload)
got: {"hour": 5, "minute": 46, "second": 7}
